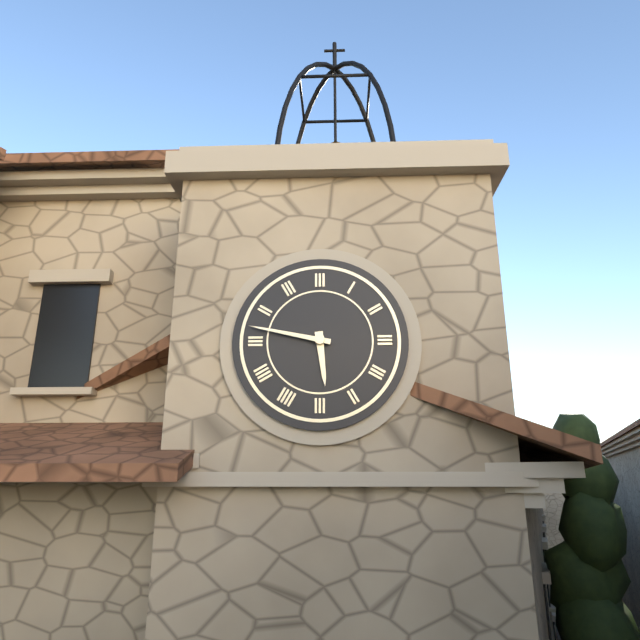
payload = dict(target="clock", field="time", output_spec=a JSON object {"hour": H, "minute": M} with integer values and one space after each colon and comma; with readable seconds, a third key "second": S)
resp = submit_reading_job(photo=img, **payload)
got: {"hour": 5, "minute": 47}
